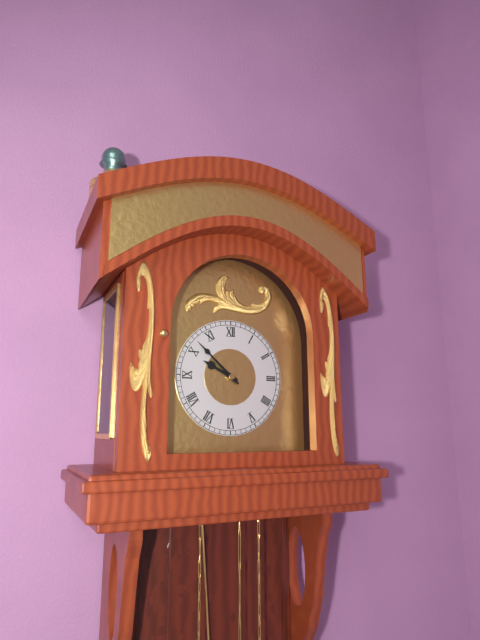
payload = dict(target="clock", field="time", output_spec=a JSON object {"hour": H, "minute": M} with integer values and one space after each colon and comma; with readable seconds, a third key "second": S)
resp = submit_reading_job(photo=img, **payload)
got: {"hour": 9, "minute": 52}
